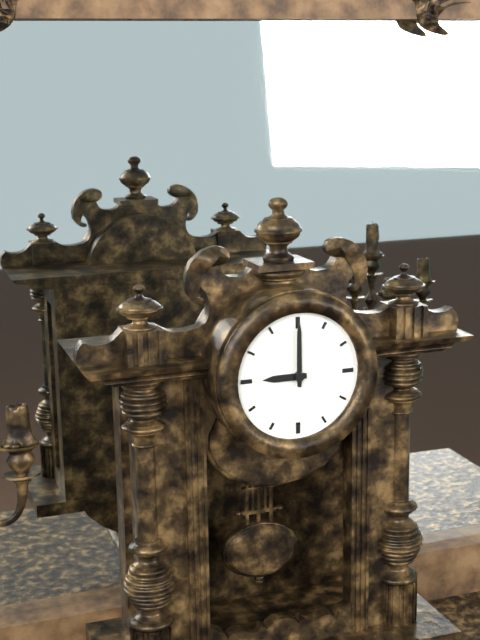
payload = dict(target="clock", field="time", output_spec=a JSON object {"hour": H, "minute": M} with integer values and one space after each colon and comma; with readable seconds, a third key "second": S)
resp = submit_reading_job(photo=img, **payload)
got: {"hour": 9, "minute": 0}
